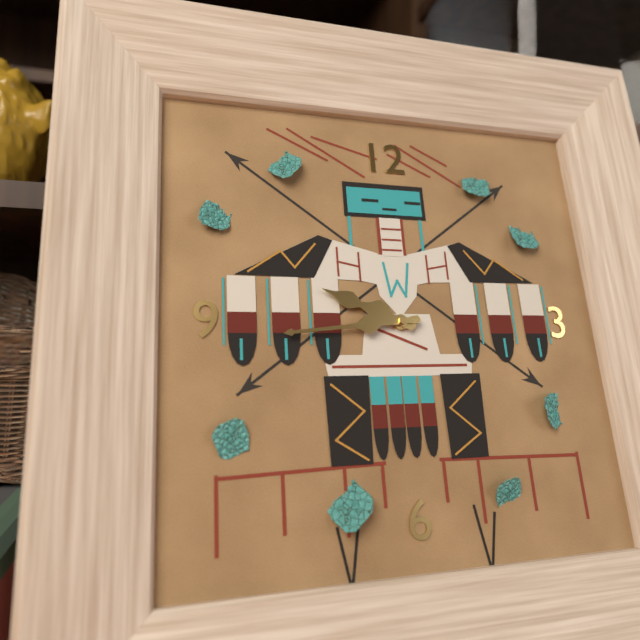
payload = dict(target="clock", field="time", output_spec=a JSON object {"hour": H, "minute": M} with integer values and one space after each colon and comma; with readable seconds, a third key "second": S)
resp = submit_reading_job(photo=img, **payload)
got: {"hour": 9, "minute": 44}
